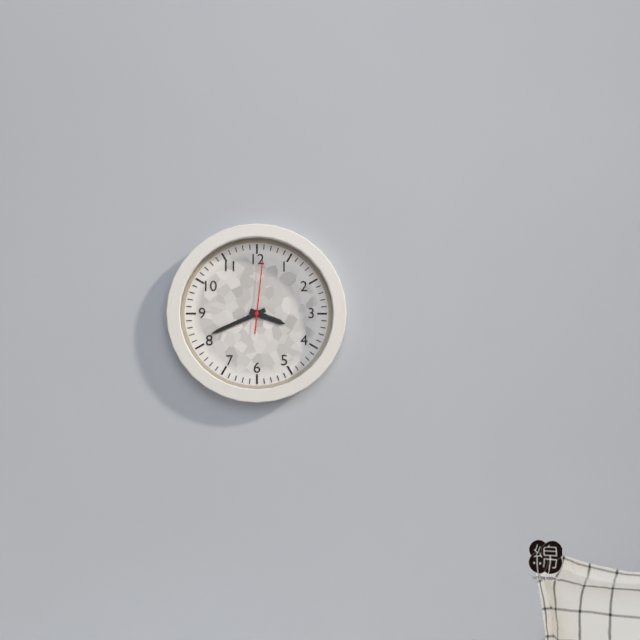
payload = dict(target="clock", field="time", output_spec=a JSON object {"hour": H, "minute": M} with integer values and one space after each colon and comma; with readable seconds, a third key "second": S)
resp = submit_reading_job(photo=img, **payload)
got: {"hour": 3, "minute": 41, "second": 1}
